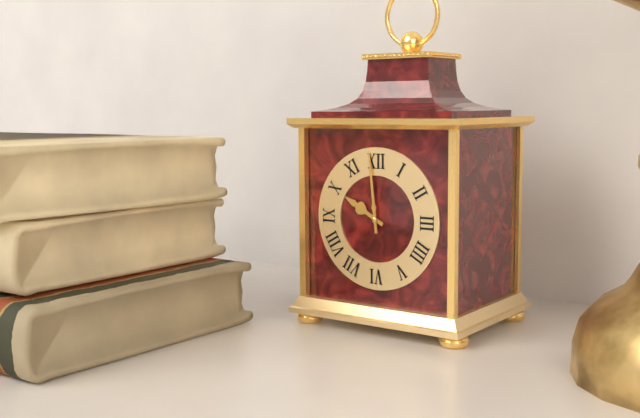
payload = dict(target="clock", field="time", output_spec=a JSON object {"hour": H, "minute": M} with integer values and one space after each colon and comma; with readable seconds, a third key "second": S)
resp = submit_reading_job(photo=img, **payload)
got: {"hour": 9, "minute": 59}
